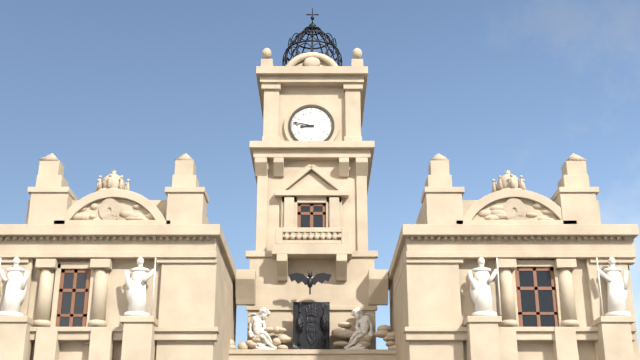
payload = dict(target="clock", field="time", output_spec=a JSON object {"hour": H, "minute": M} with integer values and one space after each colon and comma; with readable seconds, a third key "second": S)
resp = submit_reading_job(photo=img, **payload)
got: {"hour": 8, "minute": 47}
